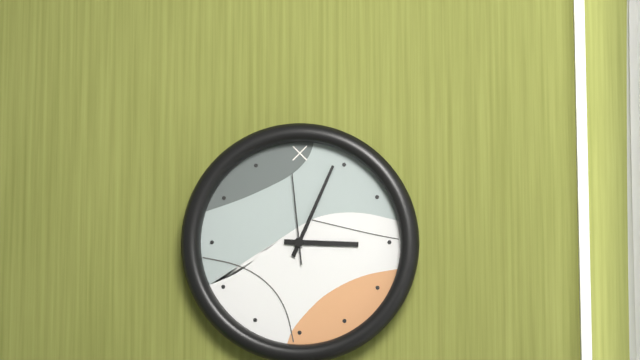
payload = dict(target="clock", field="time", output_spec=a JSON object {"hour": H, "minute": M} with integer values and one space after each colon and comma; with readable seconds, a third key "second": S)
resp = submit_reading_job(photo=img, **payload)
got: {"hour": 3, "minute": 4, "second": 59}
